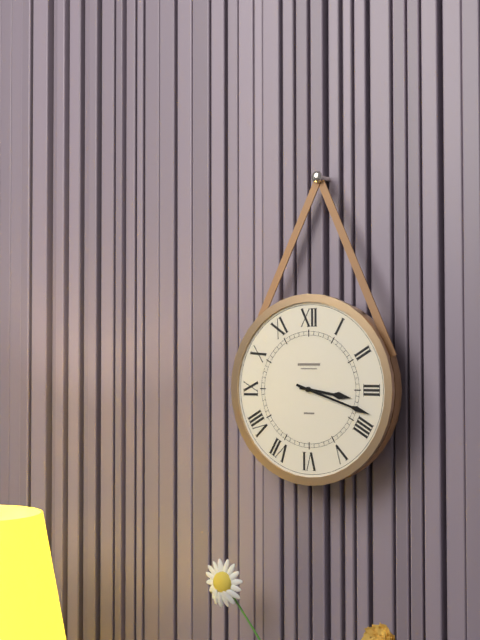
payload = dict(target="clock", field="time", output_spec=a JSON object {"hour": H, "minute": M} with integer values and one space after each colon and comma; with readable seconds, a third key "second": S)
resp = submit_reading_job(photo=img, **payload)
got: {"hour": 3, "minute": 18}
